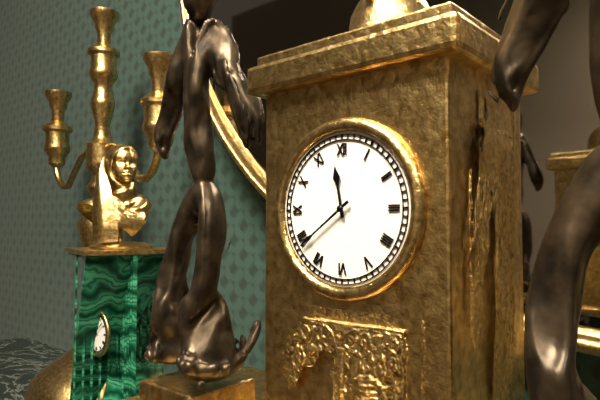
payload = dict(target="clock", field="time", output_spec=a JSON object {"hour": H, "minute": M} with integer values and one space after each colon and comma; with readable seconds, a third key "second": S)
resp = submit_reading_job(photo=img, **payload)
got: {"hour": 11, "minute": 39}
